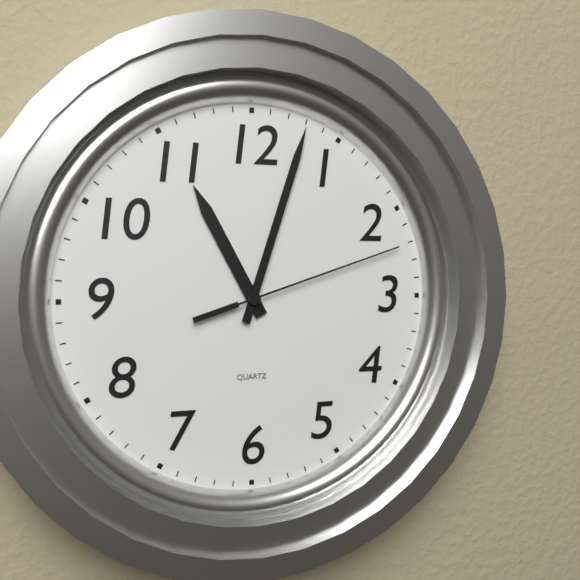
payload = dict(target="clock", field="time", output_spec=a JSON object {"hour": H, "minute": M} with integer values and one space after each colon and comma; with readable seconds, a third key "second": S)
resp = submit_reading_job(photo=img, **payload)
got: {"hour": 11, "minute": 3, "second": 12}
